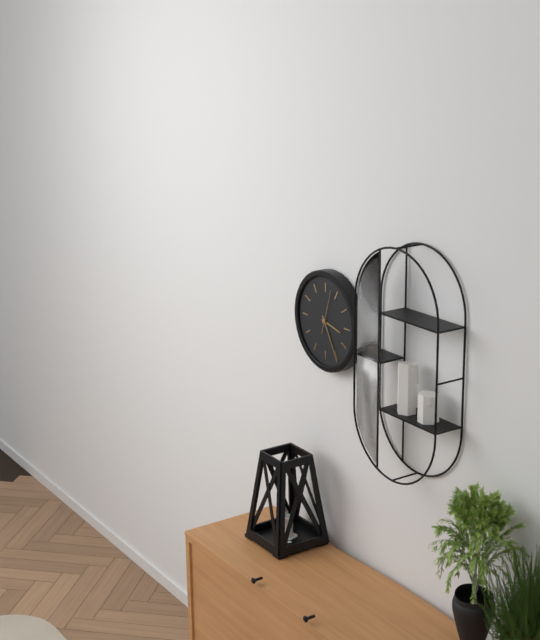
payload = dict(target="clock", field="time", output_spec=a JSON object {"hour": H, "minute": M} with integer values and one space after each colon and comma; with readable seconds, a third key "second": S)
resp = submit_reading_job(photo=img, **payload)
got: {"hour": 3, "minute": 25}
